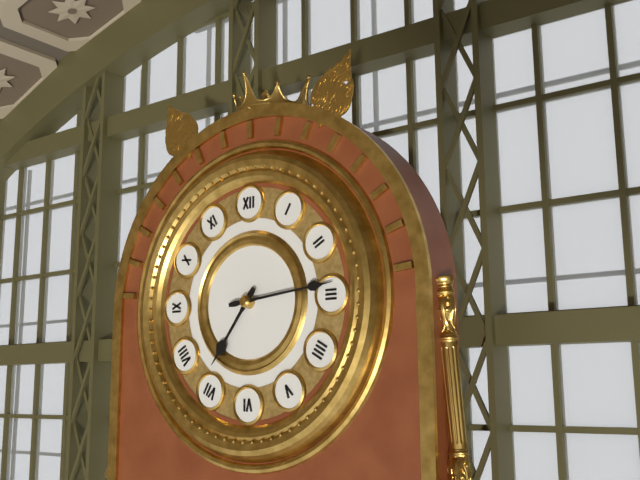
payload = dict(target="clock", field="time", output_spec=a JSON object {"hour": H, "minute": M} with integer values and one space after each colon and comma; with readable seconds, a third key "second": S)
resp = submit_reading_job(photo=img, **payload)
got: {"hour": 7, "minute": 14}
